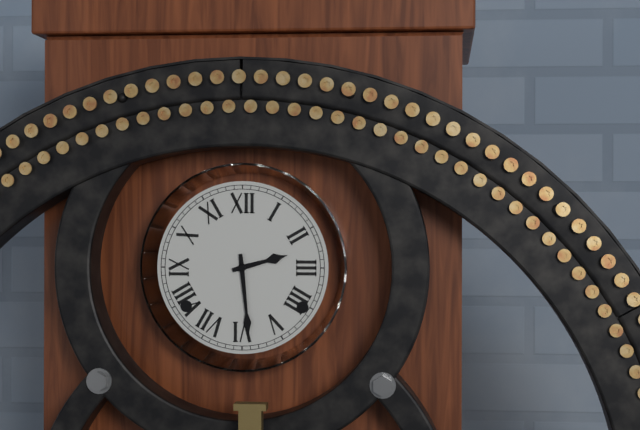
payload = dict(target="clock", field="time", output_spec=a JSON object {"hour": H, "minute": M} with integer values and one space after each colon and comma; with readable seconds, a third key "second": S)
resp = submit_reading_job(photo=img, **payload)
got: {"hour": 2, "minute": 29}
